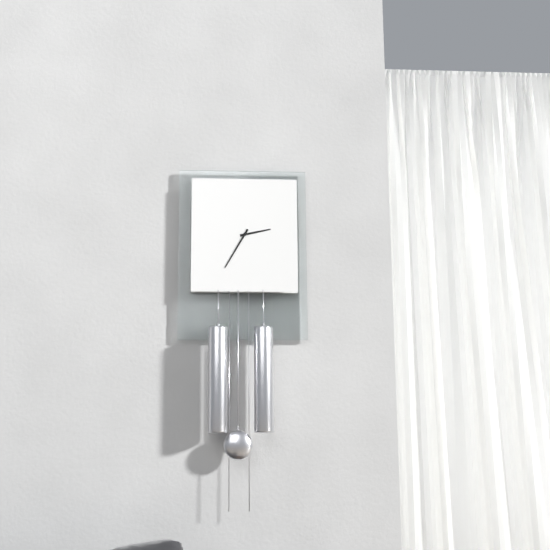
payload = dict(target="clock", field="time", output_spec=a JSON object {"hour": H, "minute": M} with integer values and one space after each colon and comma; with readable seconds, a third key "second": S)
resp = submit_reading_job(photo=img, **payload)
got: {"hour": 2, "minute": 35}
